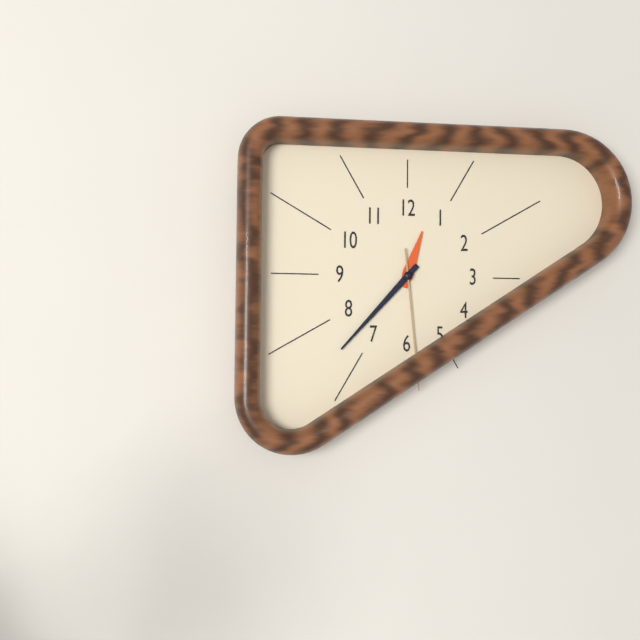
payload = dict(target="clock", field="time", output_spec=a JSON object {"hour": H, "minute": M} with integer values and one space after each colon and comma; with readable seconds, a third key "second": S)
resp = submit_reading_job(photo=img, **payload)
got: {"hour": 12, "minute": 37, "second": 29}
